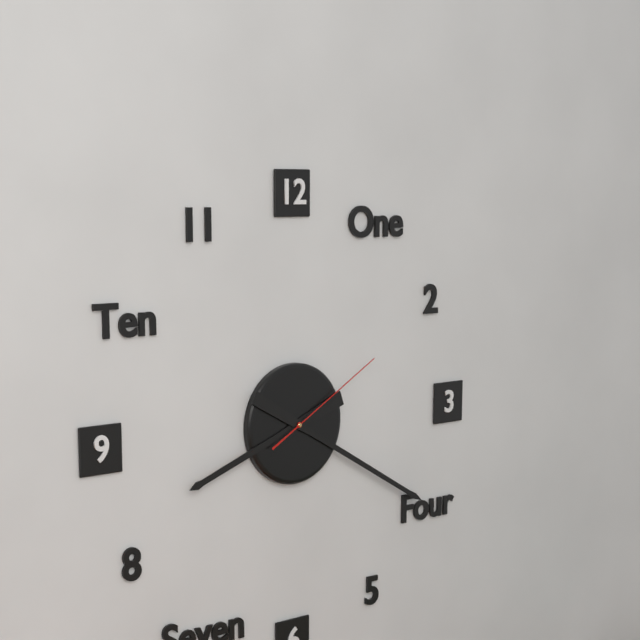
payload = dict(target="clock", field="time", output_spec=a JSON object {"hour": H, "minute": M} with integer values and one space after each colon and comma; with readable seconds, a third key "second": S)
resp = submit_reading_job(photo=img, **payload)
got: {"hour": 8, "minute": 20, "second": 10}
